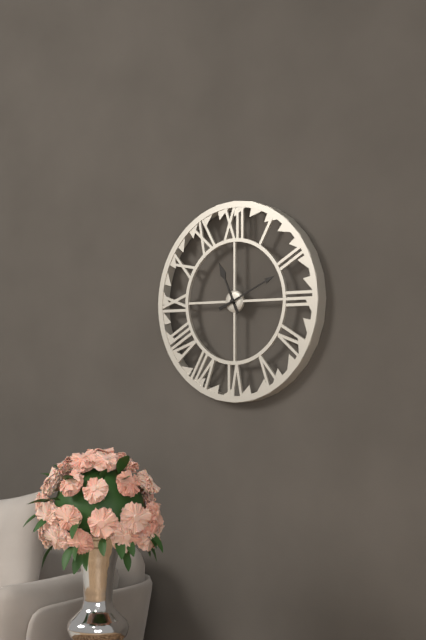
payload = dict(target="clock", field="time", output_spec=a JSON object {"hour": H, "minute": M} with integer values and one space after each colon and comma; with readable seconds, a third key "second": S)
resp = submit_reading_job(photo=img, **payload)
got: {"hour": 11, "minute": 11}
